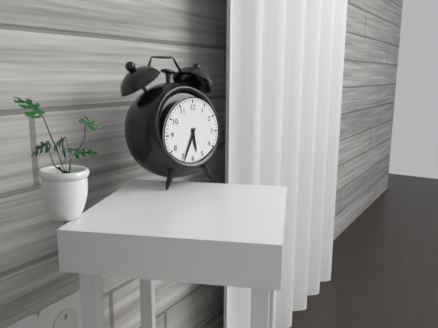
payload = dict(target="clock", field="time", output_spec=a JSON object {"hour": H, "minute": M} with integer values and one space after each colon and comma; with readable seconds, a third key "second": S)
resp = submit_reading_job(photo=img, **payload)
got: {"hour": 5, "minute": 34}
